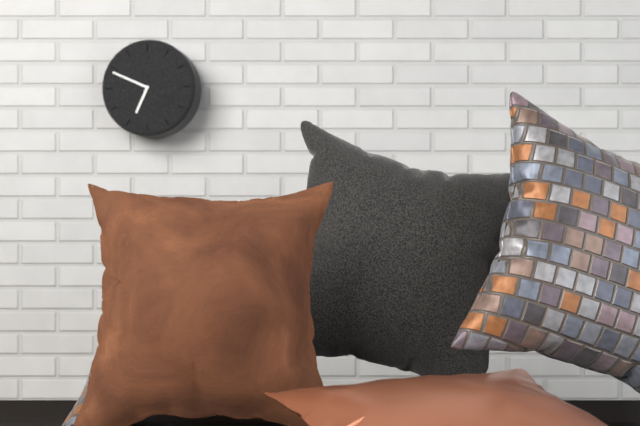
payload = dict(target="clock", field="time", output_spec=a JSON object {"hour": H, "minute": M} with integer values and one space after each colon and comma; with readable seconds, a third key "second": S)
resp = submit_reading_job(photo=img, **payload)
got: {"hour": 6, "minute": 49}
